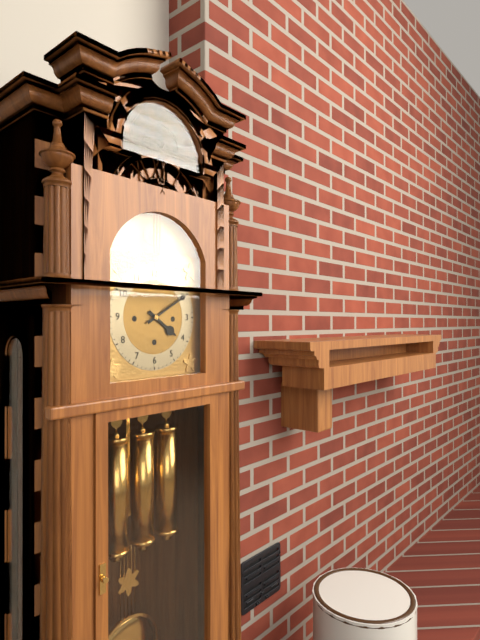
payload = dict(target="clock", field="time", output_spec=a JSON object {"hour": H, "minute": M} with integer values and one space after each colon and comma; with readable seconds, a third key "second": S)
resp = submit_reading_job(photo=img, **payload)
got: {"hour": 4, "minute": 10}
